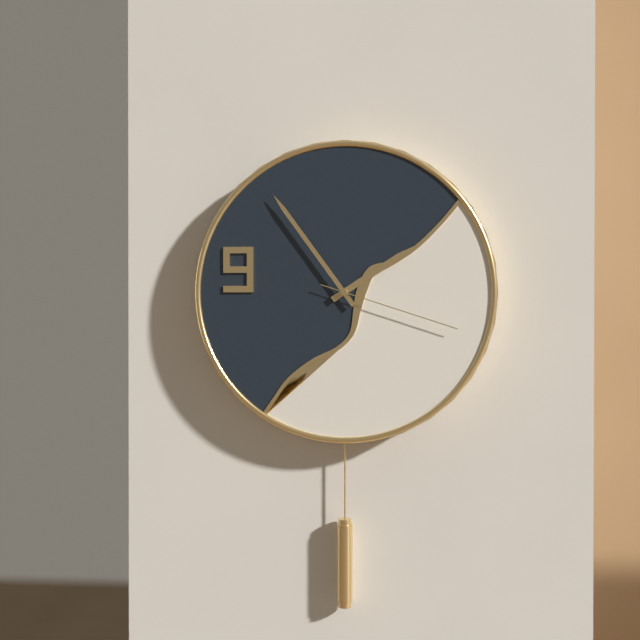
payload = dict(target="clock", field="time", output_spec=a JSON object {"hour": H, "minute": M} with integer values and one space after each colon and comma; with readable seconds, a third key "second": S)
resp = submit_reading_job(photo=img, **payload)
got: {"hour": 1, "minute": 54, "second": 18}
